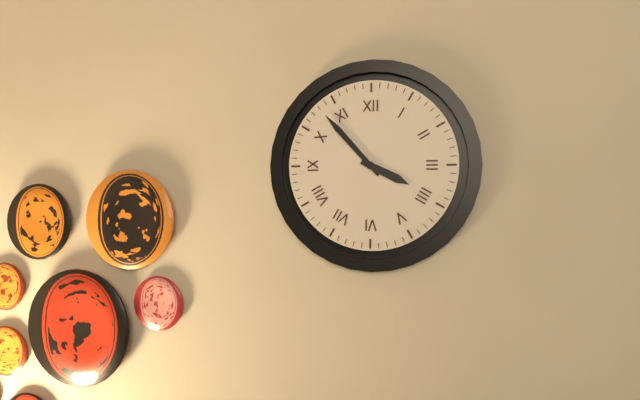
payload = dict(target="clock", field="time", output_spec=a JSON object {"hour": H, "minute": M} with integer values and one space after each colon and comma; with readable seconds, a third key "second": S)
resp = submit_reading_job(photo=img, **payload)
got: {"hour": 3, "minute": 53}
